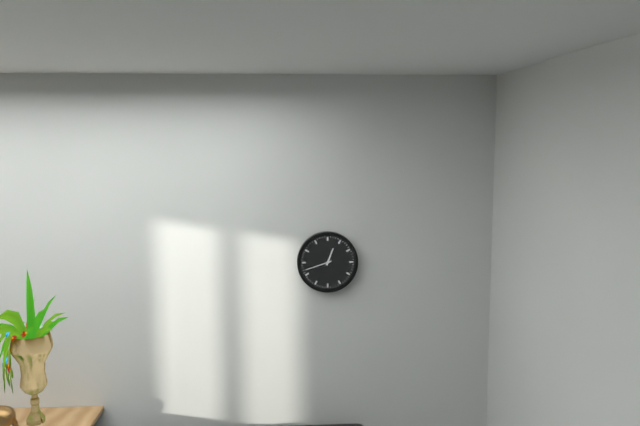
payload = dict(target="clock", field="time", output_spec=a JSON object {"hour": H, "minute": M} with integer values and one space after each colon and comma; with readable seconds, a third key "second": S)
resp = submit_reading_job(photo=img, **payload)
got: {"hour": 12, "minute": 42}
